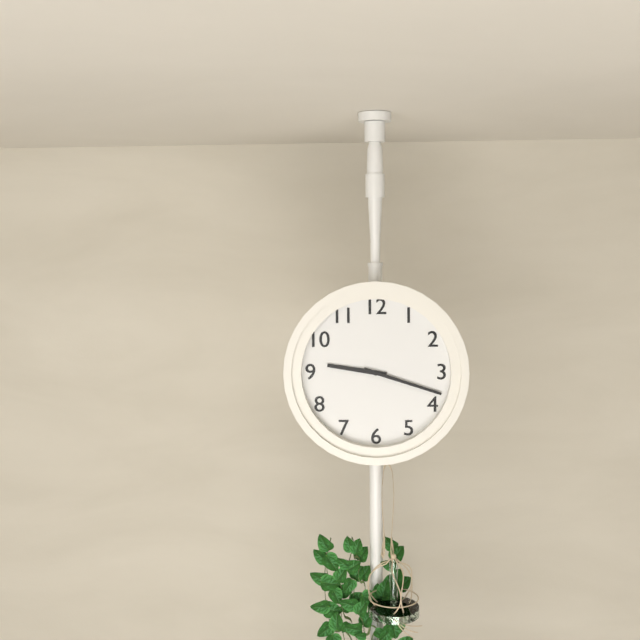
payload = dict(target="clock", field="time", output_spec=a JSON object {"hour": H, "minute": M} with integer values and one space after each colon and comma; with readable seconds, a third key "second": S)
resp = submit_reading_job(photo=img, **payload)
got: {"hour": 9, "minute": 18}
